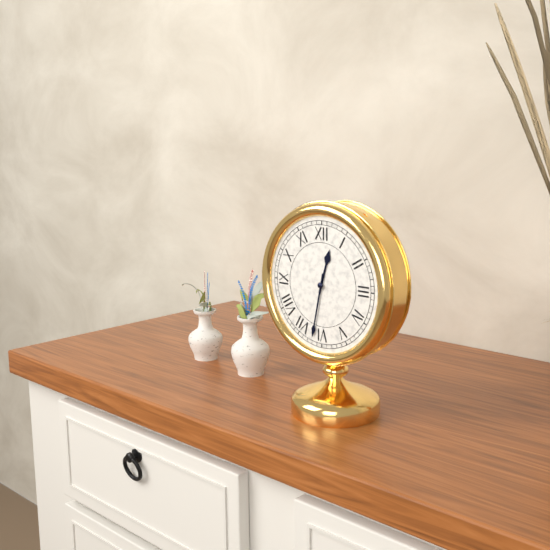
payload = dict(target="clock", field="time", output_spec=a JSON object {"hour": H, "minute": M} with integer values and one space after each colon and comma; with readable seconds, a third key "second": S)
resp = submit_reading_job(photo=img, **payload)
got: {"hour": 12, "minute": 32}
